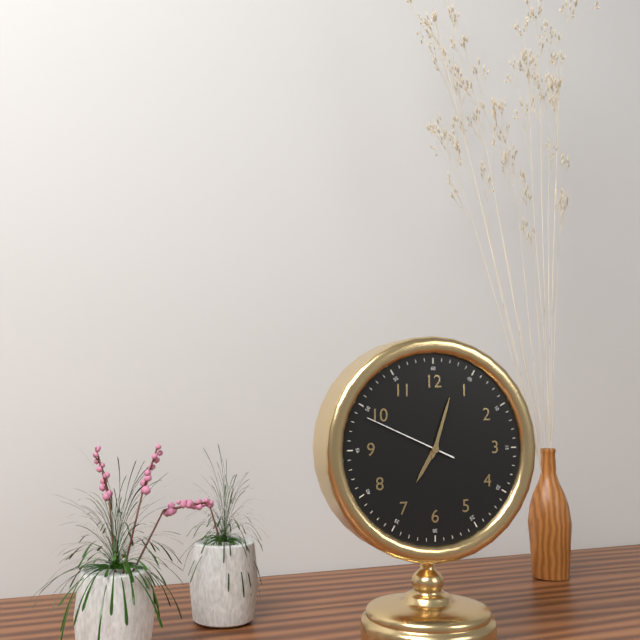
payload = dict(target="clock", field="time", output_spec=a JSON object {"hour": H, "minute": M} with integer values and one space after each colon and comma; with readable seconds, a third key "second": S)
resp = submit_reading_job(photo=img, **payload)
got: {"hour": 7, "minute": 3, "second": 49}
